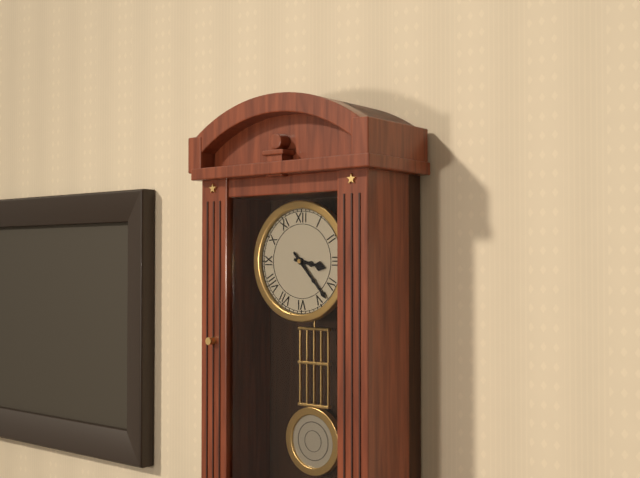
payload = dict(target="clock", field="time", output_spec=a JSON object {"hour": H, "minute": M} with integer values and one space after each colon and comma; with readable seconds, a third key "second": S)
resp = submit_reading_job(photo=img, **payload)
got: {"hour": 3, "minute": 23}
